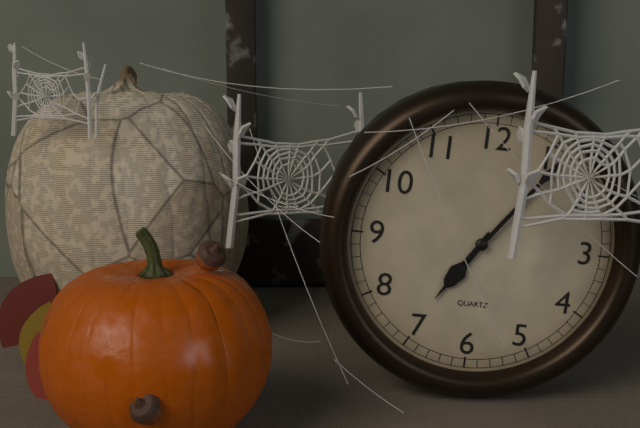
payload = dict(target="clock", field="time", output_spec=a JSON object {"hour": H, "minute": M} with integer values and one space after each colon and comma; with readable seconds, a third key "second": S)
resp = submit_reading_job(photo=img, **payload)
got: {"hour": 7, "minute": 6}
